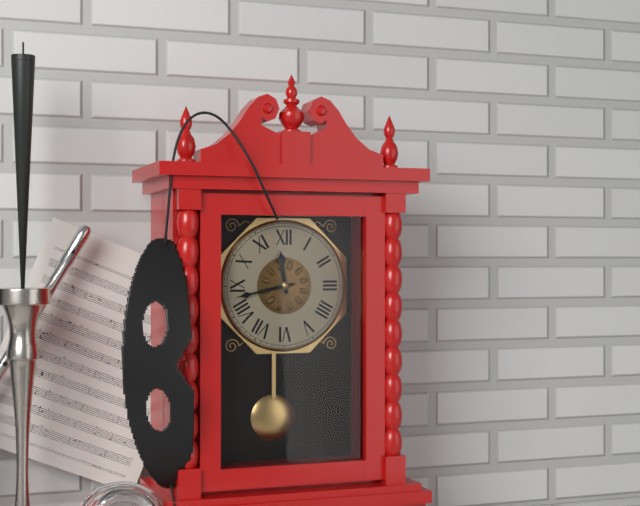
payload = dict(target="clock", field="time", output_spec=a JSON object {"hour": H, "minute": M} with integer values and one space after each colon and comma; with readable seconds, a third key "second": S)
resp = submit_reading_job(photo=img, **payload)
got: {"hour": 11, "minute": 43}
